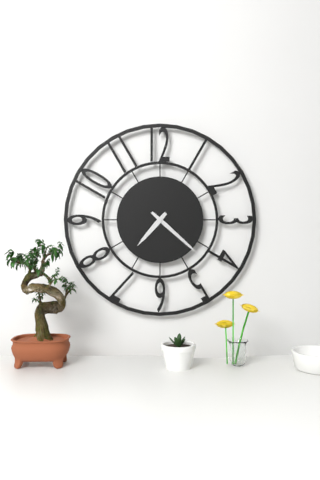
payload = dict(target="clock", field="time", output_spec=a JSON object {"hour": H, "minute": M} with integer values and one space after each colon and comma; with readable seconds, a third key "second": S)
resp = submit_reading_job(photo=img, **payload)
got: {"hour": 7, "minute": 22}
